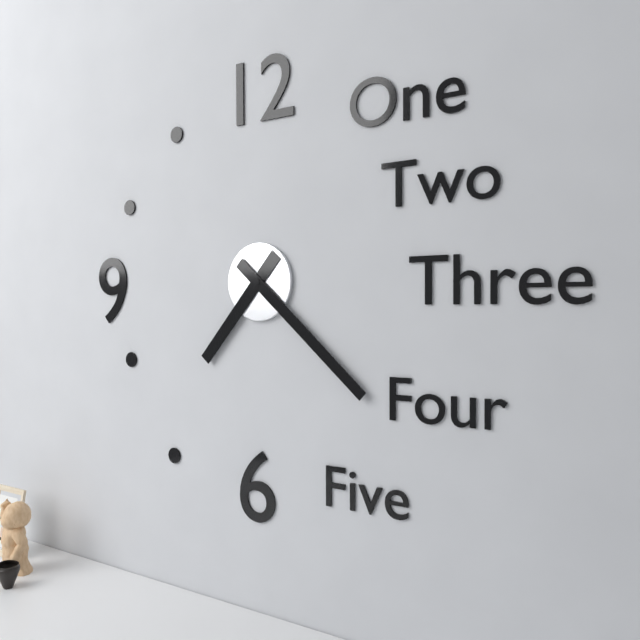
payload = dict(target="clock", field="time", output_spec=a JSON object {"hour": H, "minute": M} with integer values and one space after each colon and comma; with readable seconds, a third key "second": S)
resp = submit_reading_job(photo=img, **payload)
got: {"hour": 7, "minute": 22}
